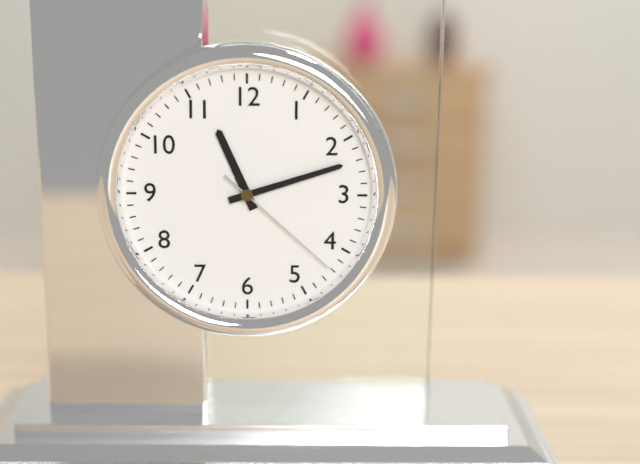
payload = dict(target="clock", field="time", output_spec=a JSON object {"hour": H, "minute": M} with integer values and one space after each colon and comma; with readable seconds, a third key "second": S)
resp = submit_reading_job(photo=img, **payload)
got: {"hour": 11, "minute": 12, "second": 22}
